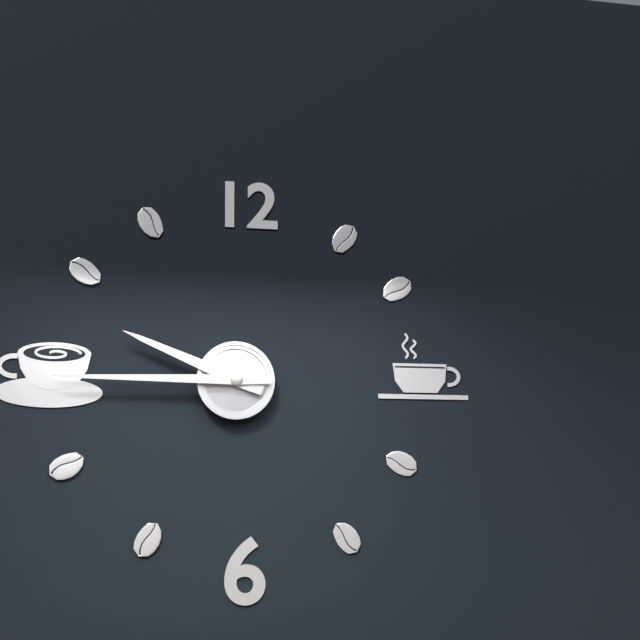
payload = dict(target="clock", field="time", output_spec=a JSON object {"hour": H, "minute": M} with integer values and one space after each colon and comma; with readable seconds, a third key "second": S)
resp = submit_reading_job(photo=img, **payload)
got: {"hour": 9, "minute": 45}
